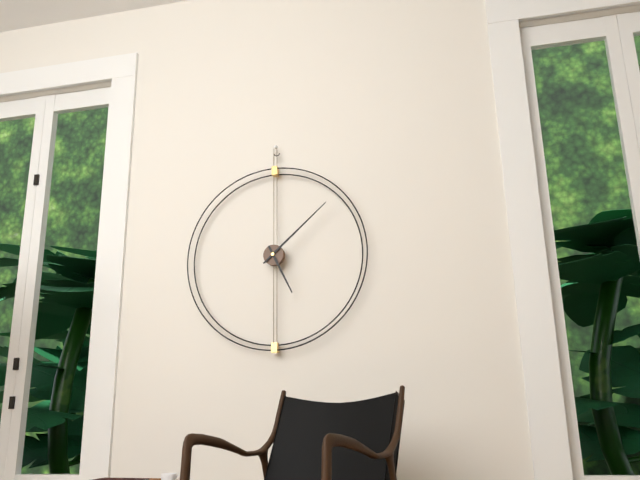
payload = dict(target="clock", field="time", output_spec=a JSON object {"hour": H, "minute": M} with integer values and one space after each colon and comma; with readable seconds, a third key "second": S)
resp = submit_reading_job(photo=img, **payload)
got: {"hour": 5, "minute": 8}
